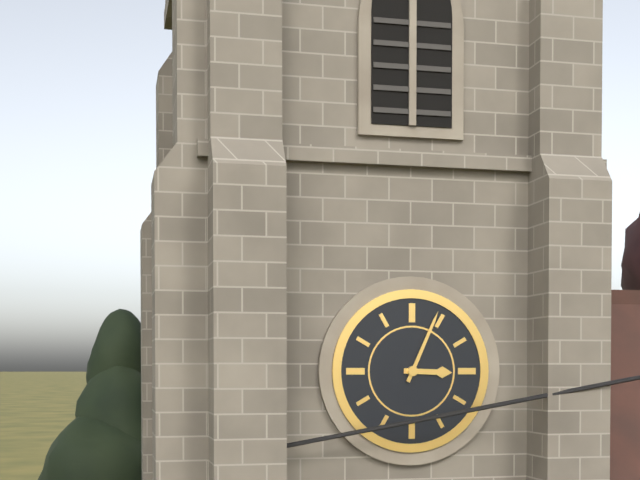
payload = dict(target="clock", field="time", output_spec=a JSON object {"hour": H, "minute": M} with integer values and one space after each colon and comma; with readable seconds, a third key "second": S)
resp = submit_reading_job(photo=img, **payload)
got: {"hour": 3, "minute": 4}
